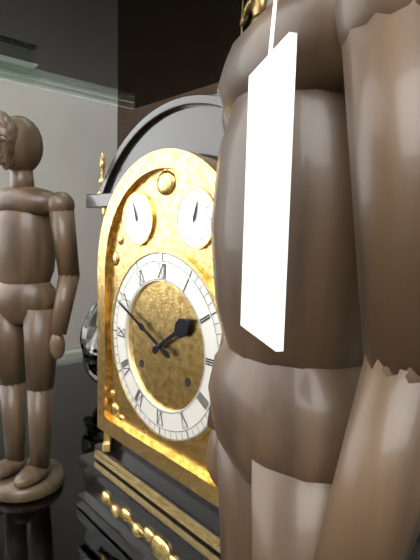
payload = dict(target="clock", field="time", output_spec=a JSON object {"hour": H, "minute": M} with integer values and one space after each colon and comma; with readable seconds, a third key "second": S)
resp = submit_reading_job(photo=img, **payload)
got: {"hour": 1, "minute": 49}
